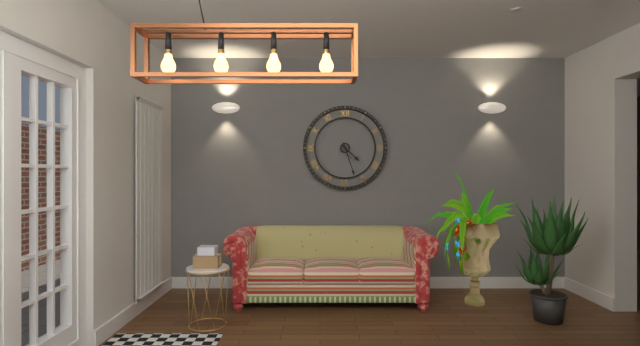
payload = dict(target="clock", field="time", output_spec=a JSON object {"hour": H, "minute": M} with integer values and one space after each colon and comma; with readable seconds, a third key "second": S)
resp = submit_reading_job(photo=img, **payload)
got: {"hour": 4, "minute": 27}
